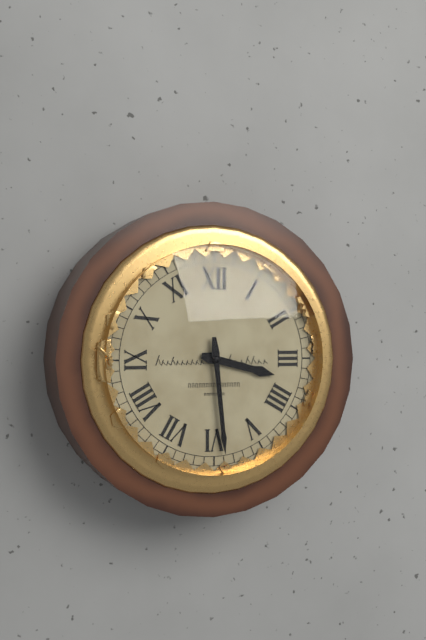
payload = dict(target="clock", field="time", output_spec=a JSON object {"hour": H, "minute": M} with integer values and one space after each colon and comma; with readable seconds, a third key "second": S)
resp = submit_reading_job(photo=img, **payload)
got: {"hour": 3, "minute": 29}
